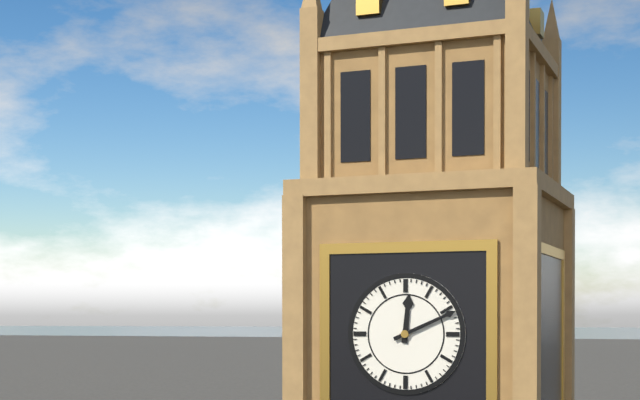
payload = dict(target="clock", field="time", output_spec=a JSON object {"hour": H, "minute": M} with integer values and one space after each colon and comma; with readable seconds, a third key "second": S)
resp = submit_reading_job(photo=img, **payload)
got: {"hour": 12, "minute": 11}
